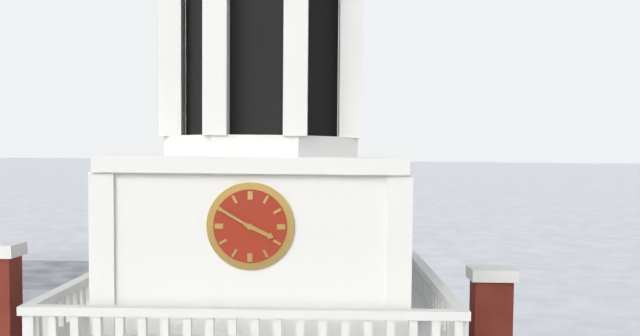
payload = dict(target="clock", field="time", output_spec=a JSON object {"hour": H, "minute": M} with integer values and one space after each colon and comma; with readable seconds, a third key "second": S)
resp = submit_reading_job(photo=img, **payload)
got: {"hour": 3, "minute": 50}
